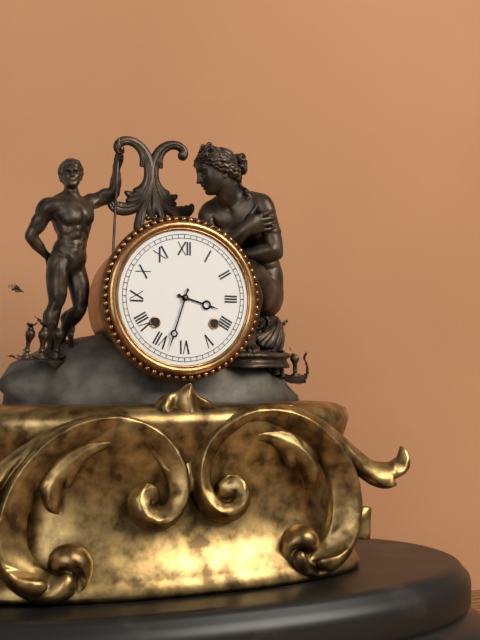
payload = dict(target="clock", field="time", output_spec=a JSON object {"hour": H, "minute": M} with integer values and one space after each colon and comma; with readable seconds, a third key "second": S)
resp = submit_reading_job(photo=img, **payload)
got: {"hour": 3, "minute": 33}
